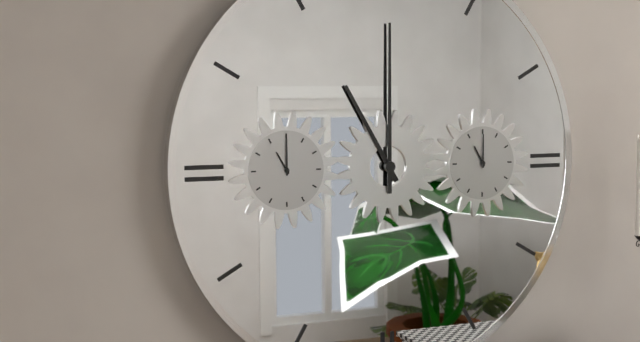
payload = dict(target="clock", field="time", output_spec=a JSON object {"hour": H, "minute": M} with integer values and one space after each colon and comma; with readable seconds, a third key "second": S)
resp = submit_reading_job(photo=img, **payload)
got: {"hour": 11, "minute": 0}
